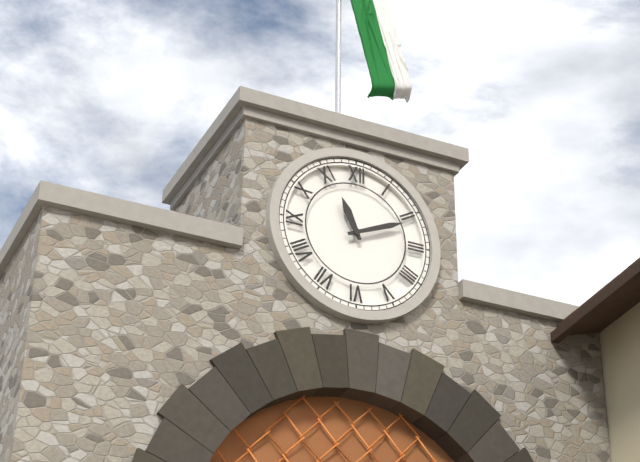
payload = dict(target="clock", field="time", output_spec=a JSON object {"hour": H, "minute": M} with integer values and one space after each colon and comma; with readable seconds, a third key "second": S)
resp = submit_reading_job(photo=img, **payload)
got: {"hour": 11, "minute": 11}
